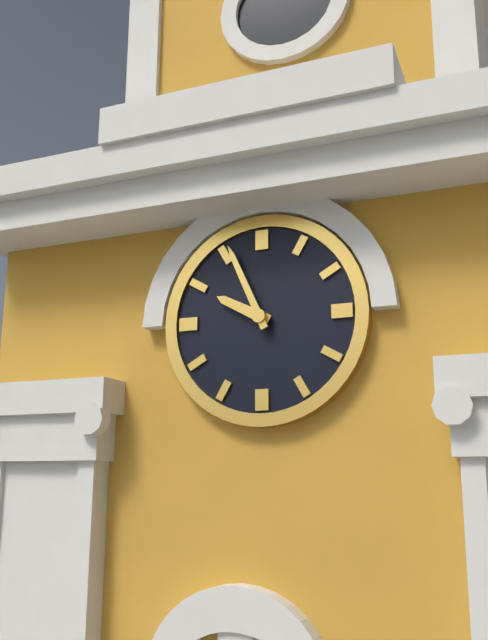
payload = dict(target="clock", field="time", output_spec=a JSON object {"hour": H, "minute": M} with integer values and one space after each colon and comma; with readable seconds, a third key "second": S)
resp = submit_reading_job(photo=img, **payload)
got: {"hour": 9, "minute": 56}
